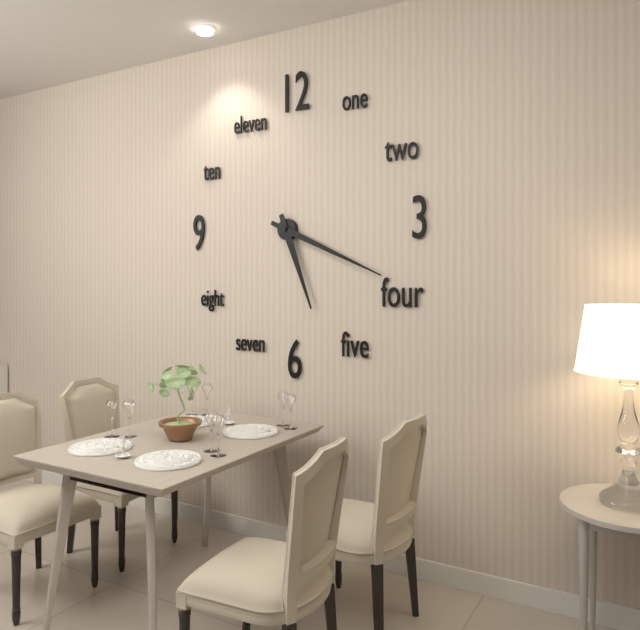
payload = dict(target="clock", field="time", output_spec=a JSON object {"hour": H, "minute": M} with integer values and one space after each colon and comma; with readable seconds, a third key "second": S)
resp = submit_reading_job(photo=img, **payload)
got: {"hour": 5, "minute": 19}
